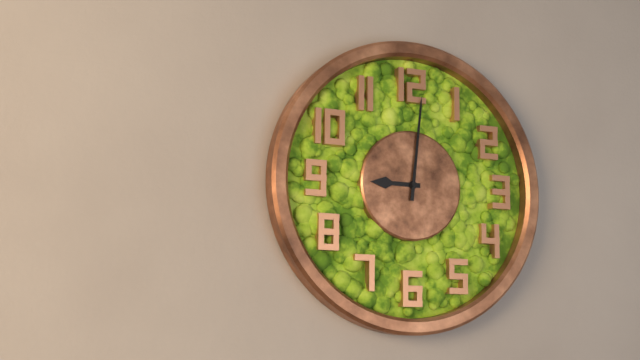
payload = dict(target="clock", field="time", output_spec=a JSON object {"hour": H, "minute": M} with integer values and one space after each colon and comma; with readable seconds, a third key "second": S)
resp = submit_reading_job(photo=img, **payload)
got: {"hour": 9, "minute": 1}
